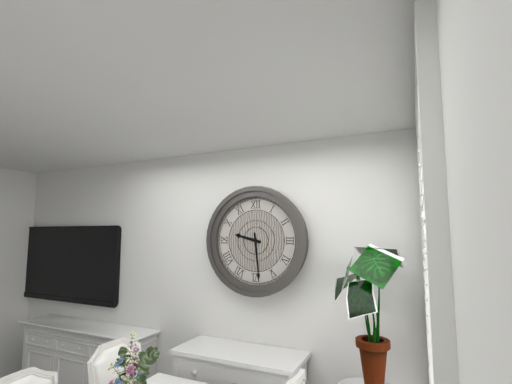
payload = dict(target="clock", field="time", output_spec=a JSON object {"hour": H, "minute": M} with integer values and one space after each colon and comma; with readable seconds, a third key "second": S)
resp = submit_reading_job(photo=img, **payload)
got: {"hour": 9, "minute": 29}
